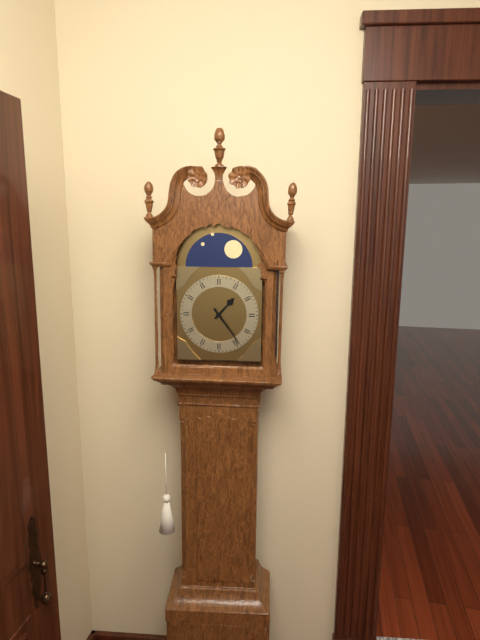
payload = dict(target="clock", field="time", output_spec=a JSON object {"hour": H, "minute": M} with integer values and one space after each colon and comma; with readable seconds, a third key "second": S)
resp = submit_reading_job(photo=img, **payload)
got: {"hour": 1, "minute": 24}
